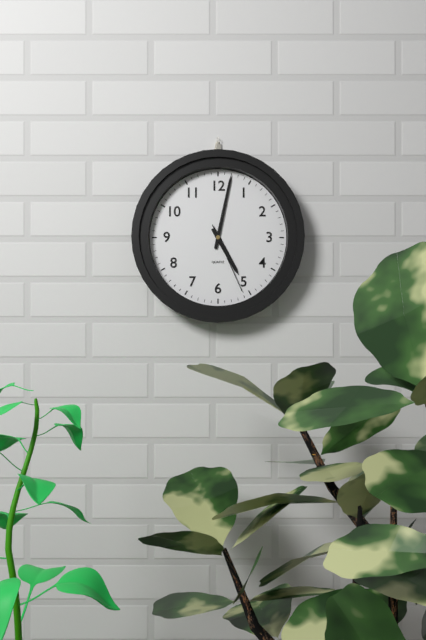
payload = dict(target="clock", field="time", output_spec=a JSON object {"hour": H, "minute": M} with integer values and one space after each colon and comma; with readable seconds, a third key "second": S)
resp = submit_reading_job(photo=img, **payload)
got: {"hour": 5, "minute": 2, "second": 26}
